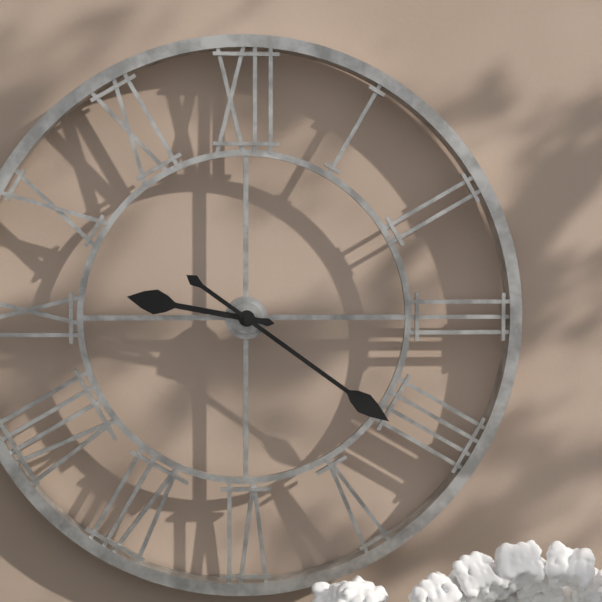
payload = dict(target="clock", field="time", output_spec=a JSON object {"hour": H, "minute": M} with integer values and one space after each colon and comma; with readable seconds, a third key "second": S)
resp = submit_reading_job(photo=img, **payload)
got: {"hour": 9, "minute": 21}
